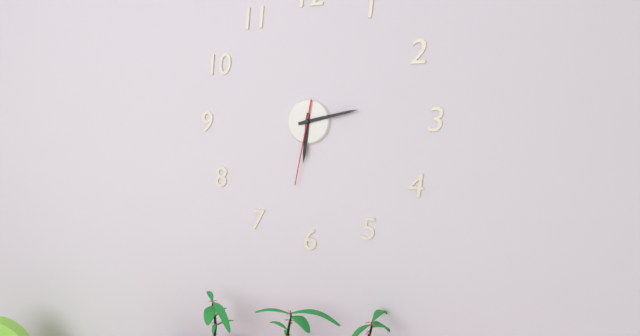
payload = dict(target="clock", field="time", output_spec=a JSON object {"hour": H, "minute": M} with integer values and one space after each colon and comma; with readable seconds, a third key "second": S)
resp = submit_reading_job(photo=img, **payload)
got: {"hour": 6, "minute": 13, "second": 32}
